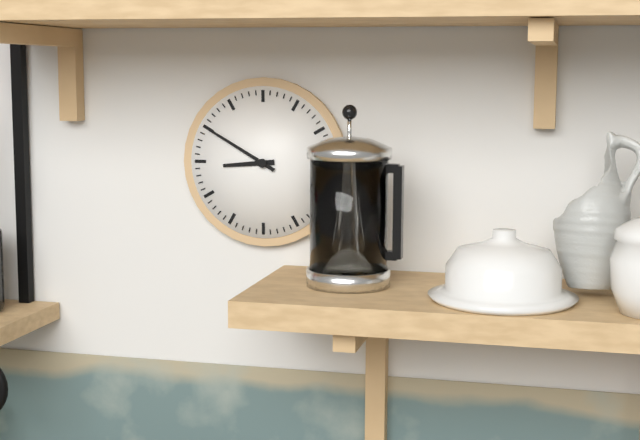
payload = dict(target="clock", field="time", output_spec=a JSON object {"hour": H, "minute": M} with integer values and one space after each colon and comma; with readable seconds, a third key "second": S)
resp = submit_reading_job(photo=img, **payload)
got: {"hour": 8, "minute": 50}
